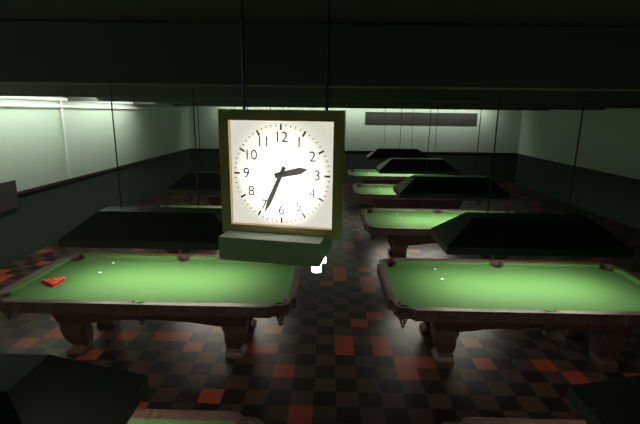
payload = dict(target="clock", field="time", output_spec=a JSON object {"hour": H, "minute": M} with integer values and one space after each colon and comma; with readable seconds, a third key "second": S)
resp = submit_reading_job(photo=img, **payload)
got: {"hour": 2, "minute": 34}
